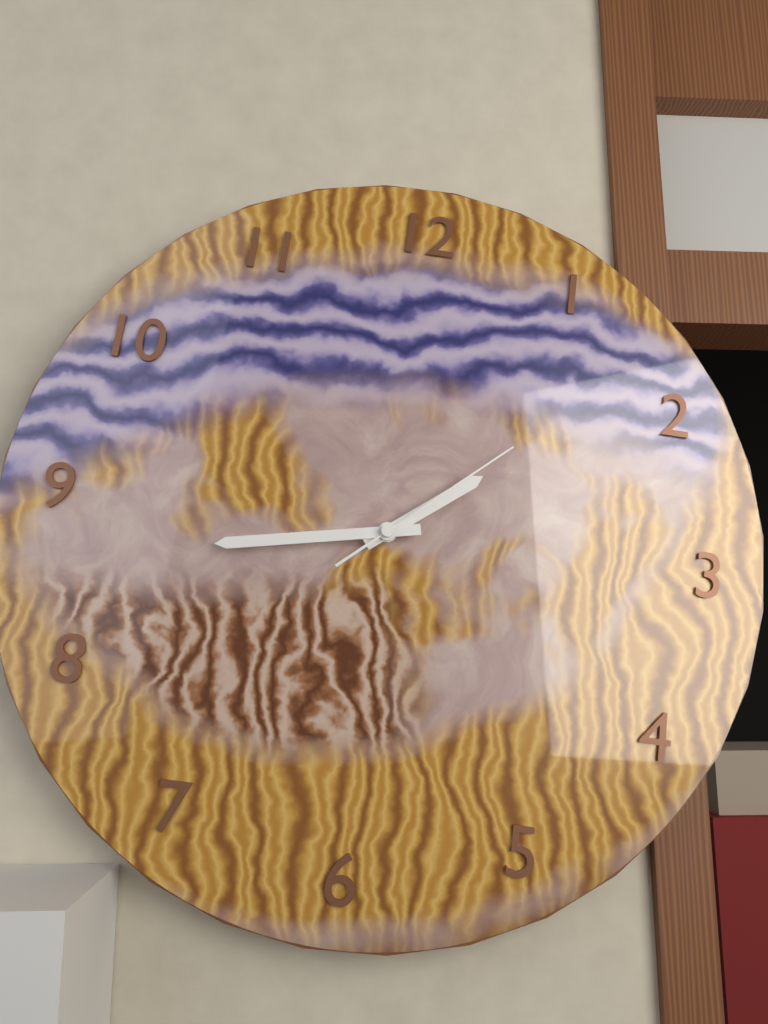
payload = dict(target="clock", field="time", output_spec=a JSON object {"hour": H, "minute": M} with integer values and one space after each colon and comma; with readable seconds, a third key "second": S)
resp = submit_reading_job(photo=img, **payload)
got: {"hour": 1, "minute": 43, "second": 8}
